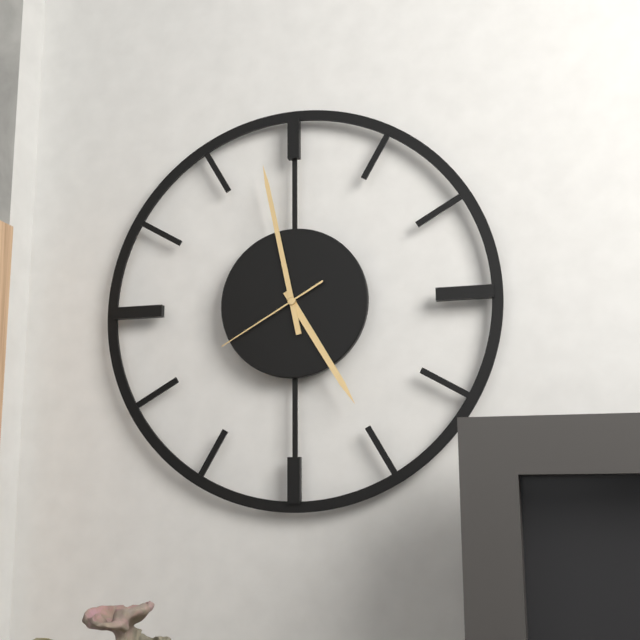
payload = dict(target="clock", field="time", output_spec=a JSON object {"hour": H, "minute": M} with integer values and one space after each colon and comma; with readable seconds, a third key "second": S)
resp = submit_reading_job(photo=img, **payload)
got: {"hour": 4, "minute": 58, "second": 40}
